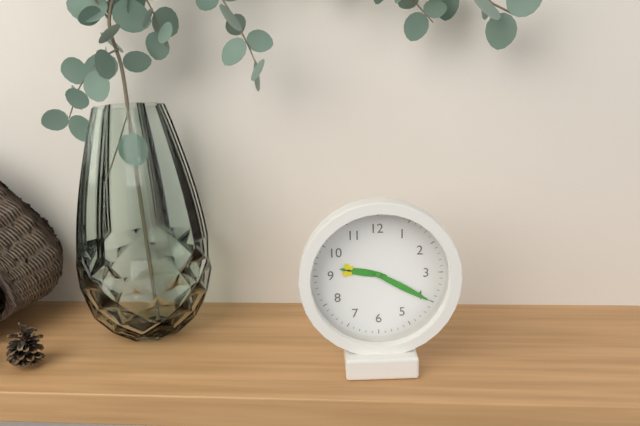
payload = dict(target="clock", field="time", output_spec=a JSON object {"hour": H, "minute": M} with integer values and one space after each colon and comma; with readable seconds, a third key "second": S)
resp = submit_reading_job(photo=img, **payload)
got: {"hour": 9, "minute": 20}
